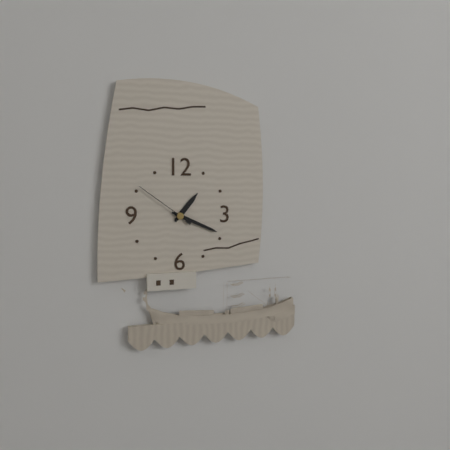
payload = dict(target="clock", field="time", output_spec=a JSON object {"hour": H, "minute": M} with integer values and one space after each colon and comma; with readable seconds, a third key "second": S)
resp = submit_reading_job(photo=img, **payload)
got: {"hour": 1, "minute": 19, "second": 51}
